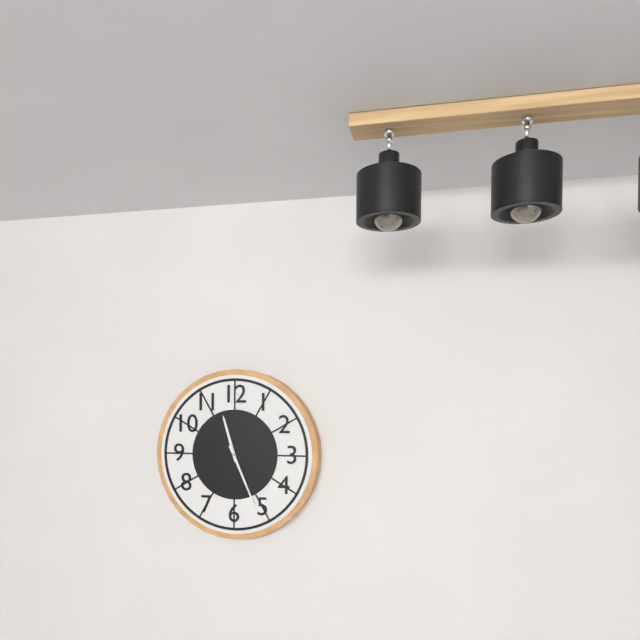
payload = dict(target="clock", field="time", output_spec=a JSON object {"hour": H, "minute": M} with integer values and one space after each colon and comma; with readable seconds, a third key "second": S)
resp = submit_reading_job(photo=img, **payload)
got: {"hour": 11, "minute": 26}
